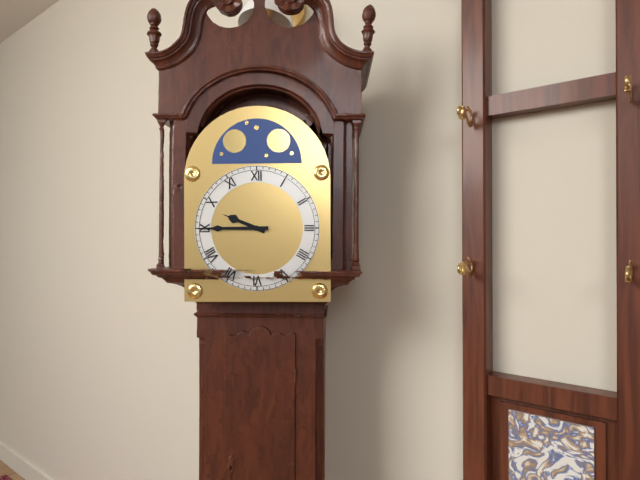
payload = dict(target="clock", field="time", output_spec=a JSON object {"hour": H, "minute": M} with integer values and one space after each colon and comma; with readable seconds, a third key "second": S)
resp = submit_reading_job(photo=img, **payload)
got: {"hour": 9, "minute": 45}
